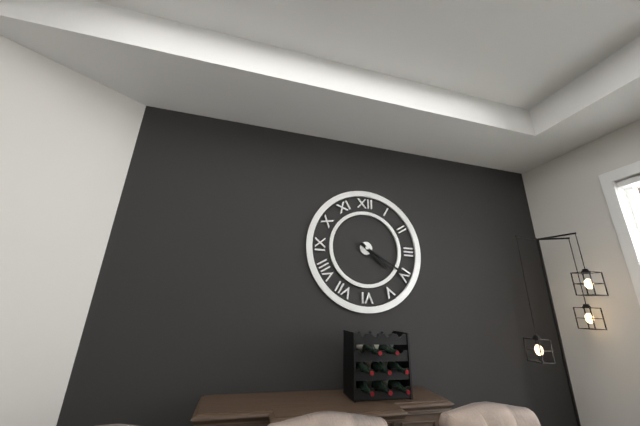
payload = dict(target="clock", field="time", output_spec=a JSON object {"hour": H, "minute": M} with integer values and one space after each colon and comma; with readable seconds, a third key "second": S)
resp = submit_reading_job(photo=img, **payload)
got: {"hour": 4, "minute": 20}
